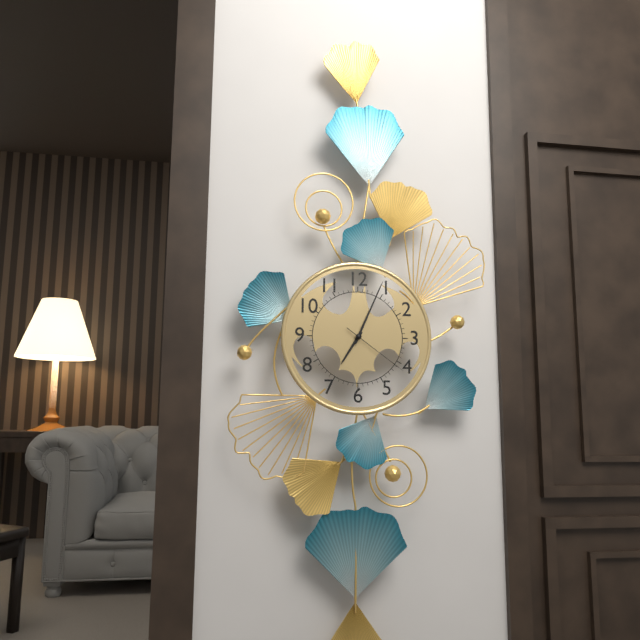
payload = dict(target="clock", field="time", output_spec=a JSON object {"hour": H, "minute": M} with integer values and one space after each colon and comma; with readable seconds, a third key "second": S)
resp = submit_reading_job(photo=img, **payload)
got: {"hour": 7, "minute": 4, "second": 21}
